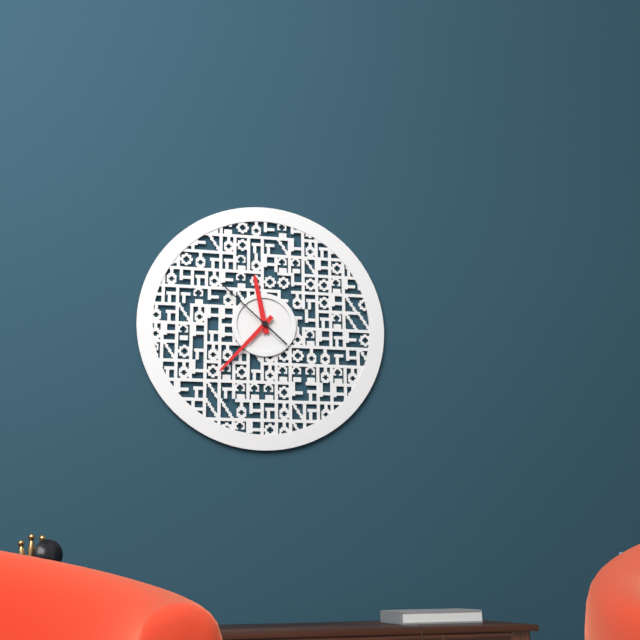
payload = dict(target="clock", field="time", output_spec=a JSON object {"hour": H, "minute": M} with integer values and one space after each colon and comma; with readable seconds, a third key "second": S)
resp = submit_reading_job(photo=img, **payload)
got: {"hour": 11, "minute": 37, "second": 52}
